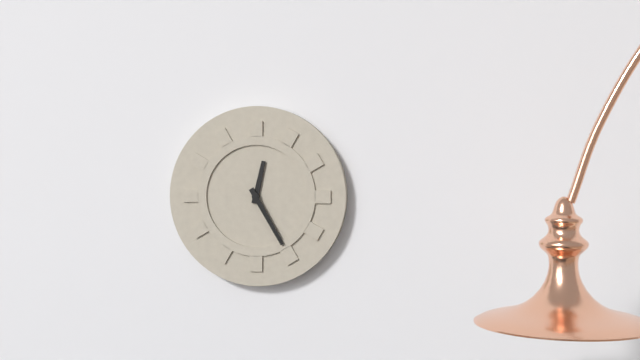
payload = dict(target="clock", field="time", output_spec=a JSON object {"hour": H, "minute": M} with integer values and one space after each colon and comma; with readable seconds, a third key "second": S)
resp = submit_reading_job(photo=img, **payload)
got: {"hour": 12, "minute": 25}
